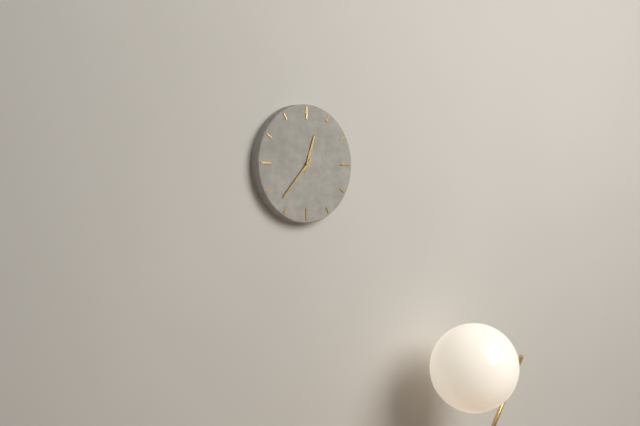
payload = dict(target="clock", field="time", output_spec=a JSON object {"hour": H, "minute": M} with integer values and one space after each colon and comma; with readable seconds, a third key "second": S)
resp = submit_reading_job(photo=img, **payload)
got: {"hour": 12, "minute": 37}
